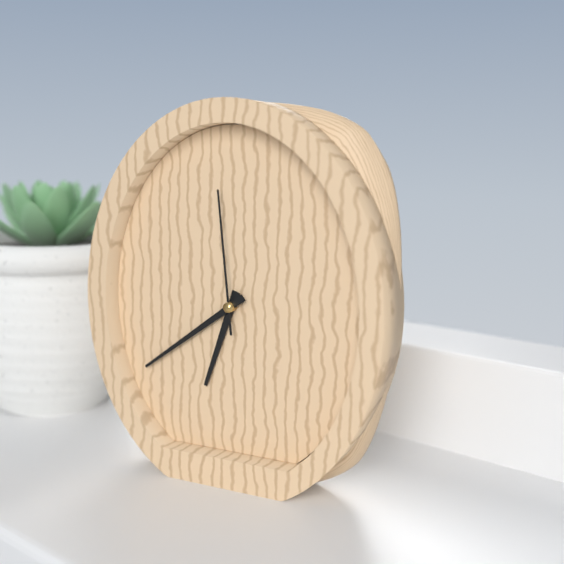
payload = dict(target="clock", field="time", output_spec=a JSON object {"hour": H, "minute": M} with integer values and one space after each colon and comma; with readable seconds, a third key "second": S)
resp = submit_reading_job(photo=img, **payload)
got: {"hour": 6, "minute": 39, "second": 59}
